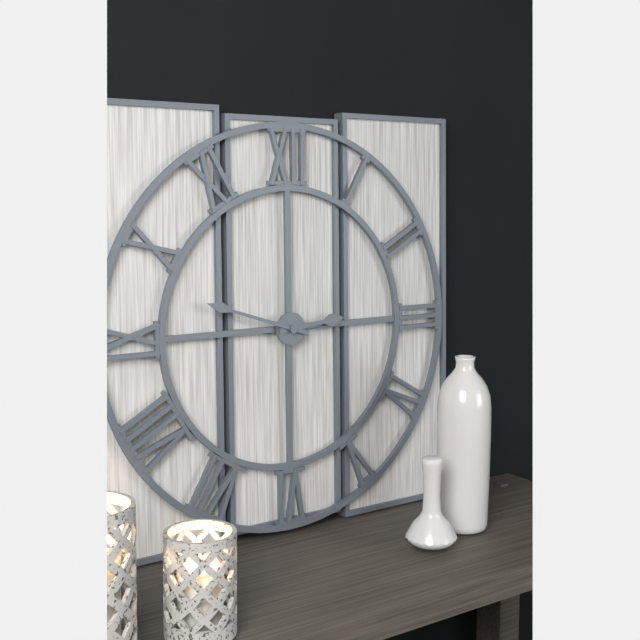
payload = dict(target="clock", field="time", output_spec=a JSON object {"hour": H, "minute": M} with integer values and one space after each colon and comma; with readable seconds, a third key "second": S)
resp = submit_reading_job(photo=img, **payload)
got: {"hour": 2, "minute": 48}
